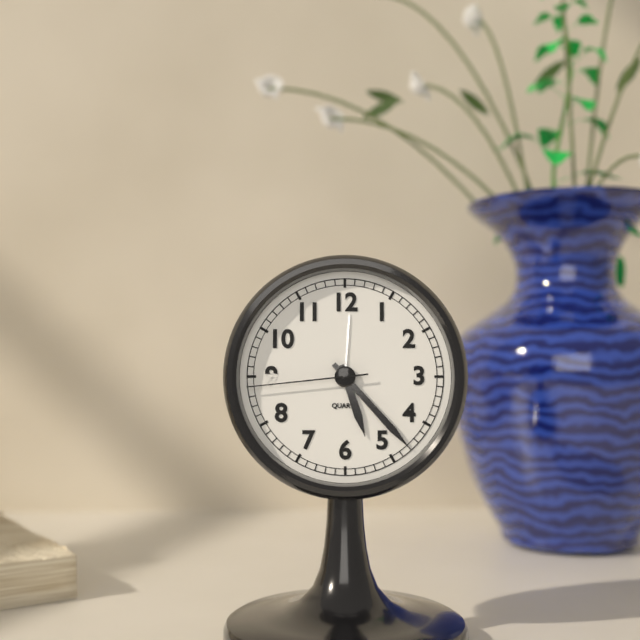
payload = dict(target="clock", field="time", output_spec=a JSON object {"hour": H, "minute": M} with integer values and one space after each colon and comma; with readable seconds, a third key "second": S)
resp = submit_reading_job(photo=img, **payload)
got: {"hour": 5, "minute": 23, "second": 44}
